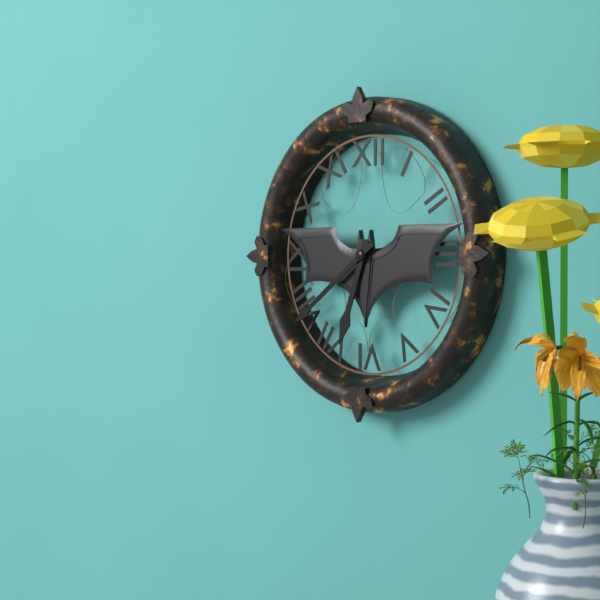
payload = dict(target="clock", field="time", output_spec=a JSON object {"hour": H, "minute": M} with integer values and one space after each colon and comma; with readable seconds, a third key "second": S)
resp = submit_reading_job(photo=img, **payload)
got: {"hour": 6, "minute": 39}
